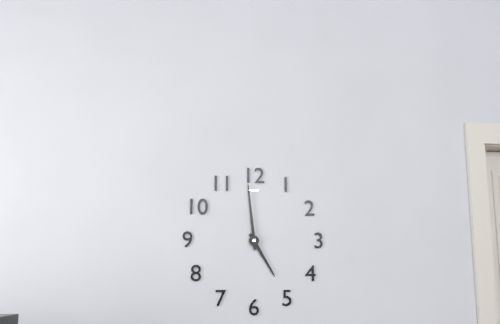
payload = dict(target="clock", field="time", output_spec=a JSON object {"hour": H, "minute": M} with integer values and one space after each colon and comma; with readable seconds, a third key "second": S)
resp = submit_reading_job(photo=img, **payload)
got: {"hour": 4, "minute": 59}
